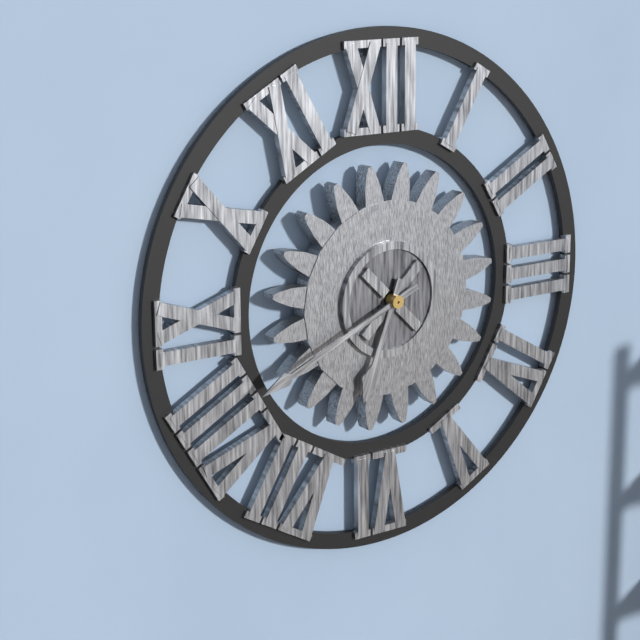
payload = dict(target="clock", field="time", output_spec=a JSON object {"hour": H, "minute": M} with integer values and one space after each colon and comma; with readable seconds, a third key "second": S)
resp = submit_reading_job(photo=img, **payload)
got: {"hour": 6, "minute": 41}
